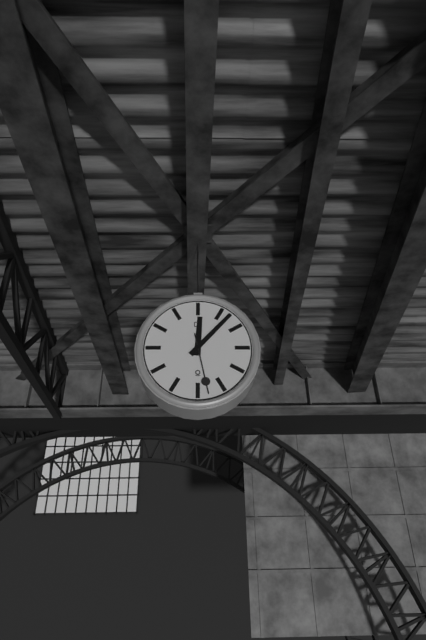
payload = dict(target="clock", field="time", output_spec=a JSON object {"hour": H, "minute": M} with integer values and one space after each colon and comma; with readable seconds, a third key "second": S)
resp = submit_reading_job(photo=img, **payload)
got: {"hour": 12, "minute": 7, "second": 28}
